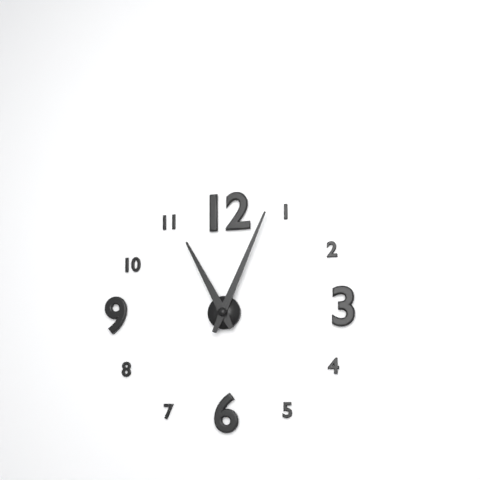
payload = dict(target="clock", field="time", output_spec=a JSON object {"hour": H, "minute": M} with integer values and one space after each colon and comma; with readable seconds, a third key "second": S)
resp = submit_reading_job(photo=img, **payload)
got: {"hour": 11, "minute": 4}
